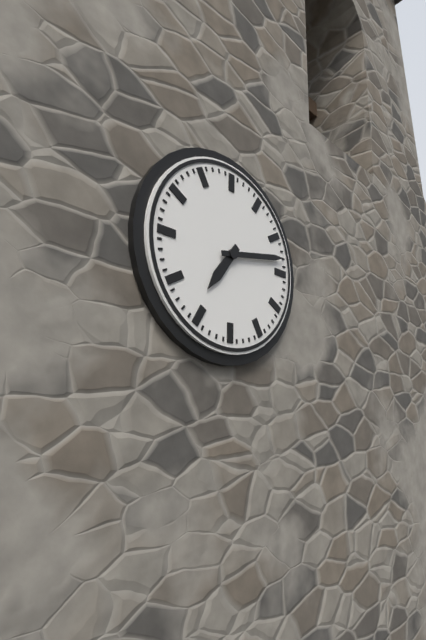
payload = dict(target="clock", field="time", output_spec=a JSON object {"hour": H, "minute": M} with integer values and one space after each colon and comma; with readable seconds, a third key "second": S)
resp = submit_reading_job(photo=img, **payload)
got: {"hour": 7, "minute": 13}
